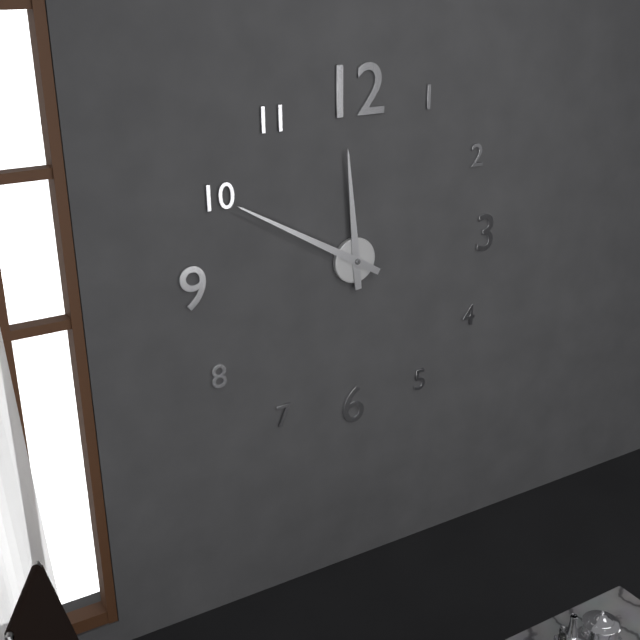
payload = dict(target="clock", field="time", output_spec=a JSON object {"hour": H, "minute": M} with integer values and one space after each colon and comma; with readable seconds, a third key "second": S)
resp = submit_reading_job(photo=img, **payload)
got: {"hour": 11, "minute": 50}
